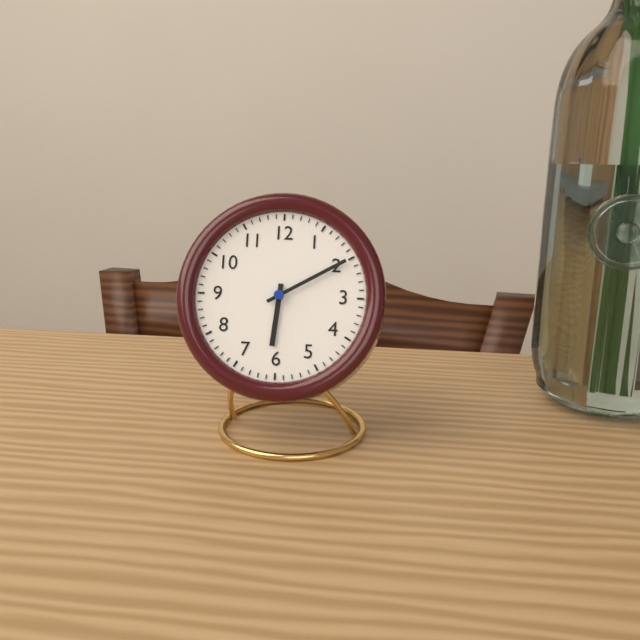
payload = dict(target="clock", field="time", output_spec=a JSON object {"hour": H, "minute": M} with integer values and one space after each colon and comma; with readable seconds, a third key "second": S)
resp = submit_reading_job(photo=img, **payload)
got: {"hour": 6, "minute": 10}
